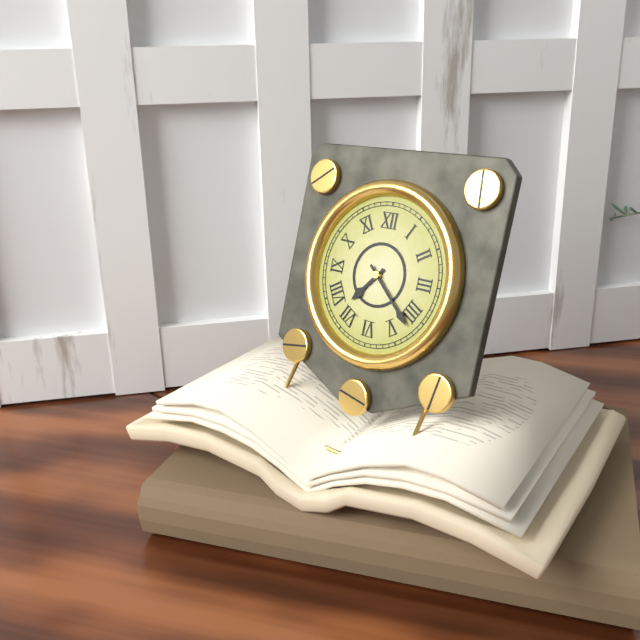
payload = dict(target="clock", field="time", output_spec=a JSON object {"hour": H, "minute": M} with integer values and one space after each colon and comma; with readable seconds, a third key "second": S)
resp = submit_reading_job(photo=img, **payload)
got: {"hour": 7, "minute": 22}
